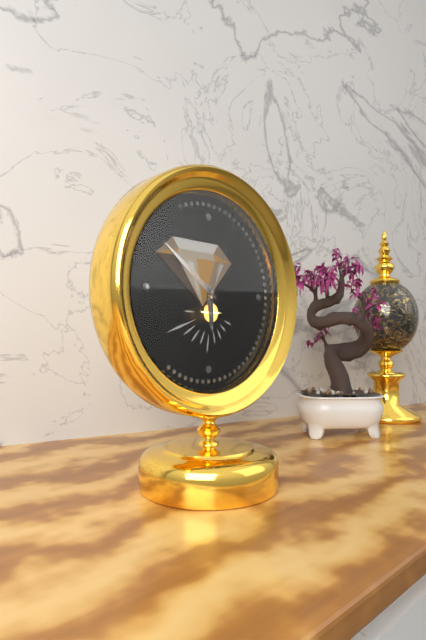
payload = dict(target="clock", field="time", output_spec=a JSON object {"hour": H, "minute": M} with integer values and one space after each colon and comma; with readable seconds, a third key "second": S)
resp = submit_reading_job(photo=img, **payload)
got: {"hour": 5, "minute": 51, "second": 4}
